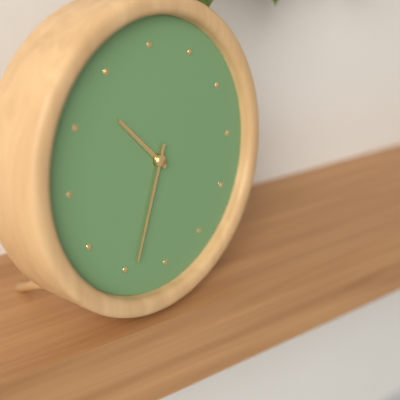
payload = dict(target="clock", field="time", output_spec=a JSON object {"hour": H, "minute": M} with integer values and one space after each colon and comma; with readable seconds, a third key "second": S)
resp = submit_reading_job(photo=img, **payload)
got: {"hour": 10, "minute": 34}
